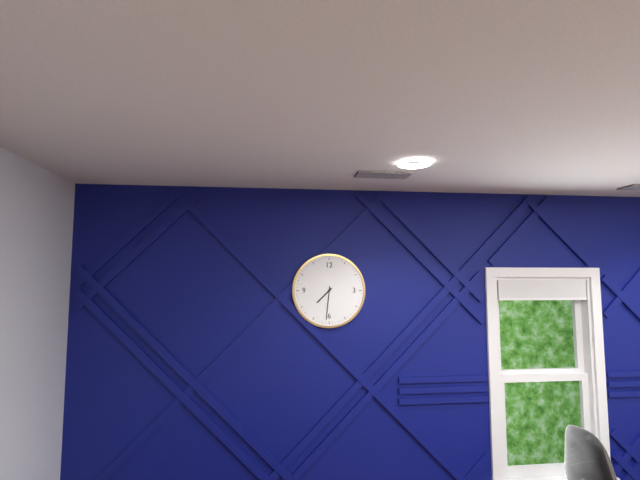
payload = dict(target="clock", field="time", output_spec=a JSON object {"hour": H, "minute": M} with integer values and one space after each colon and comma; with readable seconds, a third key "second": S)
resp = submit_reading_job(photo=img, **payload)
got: {"hour": 7, "minute": 31}
